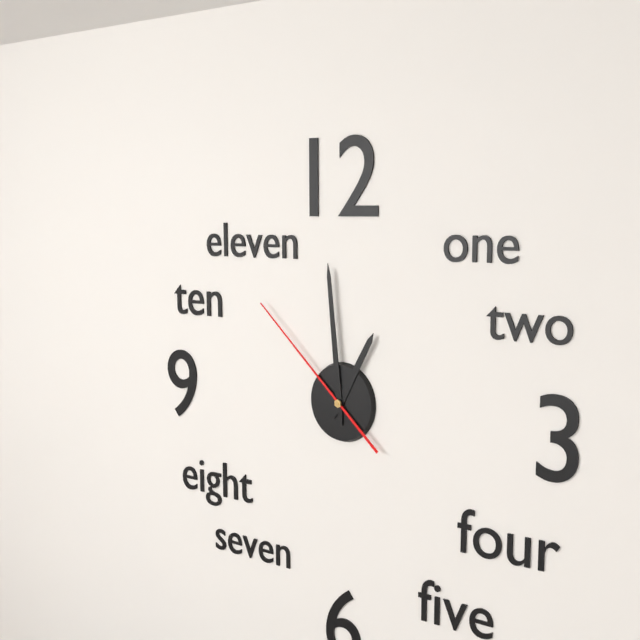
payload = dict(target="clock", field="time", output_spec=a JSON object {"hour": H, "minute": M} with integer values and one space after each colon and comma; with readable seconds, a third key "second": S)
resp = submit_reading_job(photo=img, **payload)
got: {"hour": 12, "minute": 59, "second": 52}
